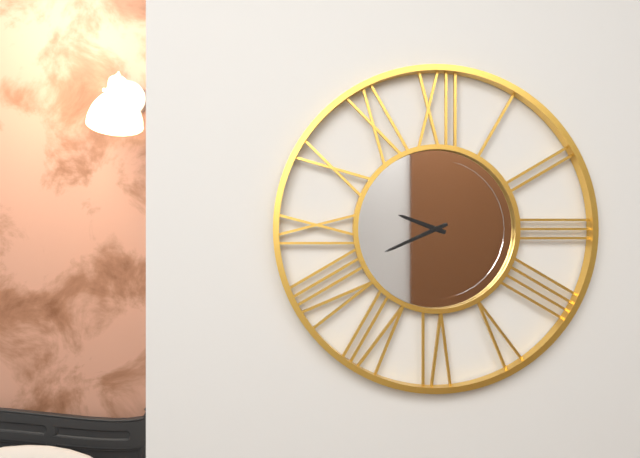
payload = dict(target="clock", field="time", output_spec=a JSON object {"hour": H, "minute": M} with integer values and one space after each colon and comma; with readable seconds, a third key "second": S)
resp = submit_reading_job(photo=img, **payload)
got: {"hour": 9, "minute": 41}
